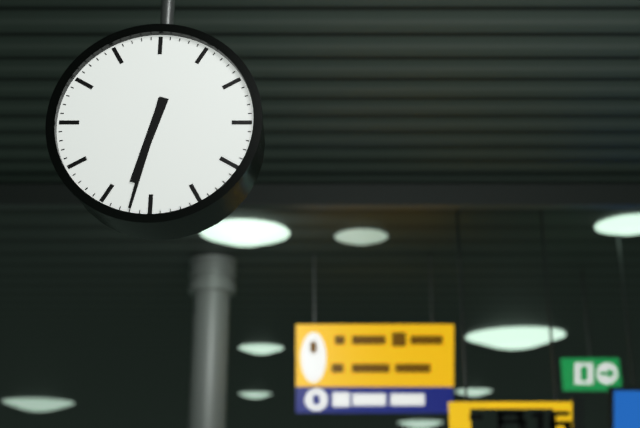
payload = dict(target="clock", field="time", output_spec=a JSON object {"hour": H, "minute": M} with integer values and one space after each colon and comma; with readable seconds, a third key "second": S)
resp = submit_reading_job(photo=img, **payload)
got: {"hour": 6, "minute": 32}
